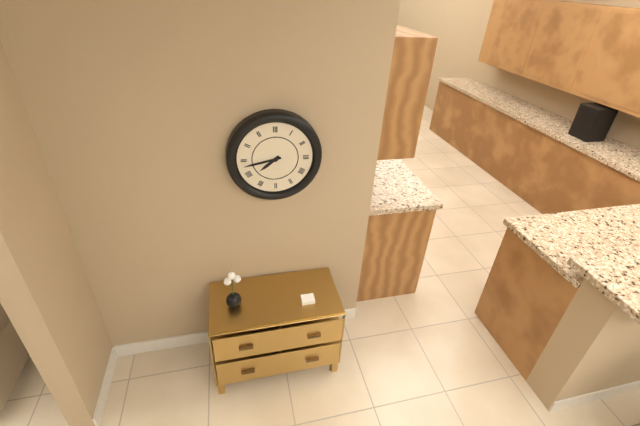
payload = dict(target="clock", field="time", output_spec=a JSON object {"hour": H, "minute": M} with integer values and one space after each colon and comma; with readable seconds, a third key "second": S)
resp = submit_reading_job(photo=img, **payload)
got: {"hour": 7, "minute": 43}
